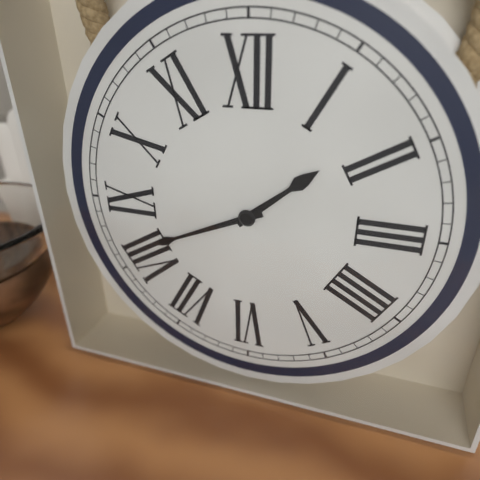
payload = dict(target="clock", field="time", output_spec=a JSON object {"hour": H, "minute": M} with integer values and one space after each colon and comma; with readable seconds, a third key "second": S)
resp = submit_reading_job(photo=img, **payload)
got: {"hour": 1, "minute": 41}
